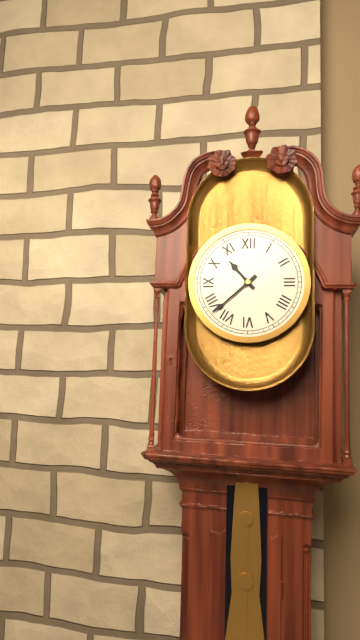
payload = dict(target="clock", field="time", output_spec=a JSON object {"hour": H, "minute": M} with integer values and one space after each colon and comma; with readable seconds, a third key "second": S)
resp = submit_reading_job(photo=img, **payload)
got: {"hour": 10, "minute": 38}
